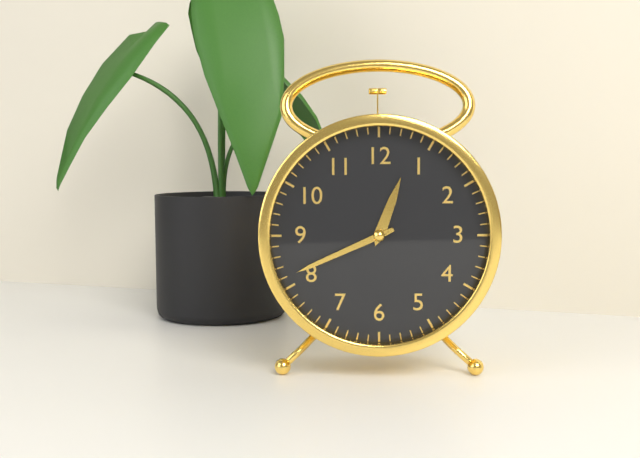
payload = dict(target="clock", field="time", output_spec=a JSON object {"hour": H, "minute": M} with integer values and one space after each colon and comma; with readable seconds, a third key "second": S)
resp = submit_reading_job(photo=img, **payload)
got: {"hour": 12, "minute": 41}
